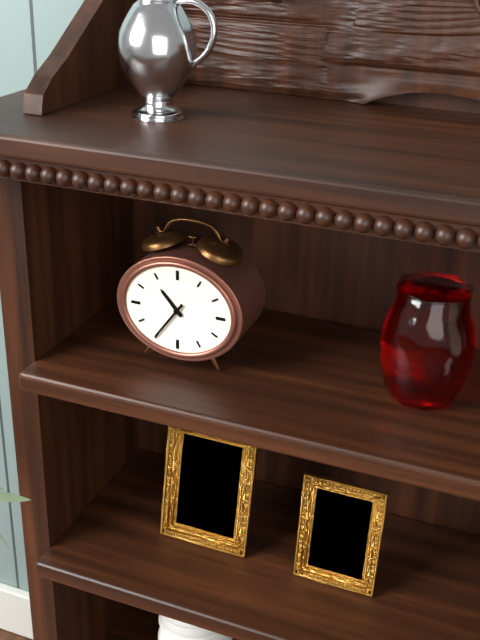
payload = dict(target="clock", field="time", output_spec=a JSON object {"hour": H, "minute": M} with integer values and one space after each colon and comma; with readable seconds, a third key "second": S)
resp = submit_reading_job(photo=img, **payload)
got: {"hour": 10, "minute": 36}
